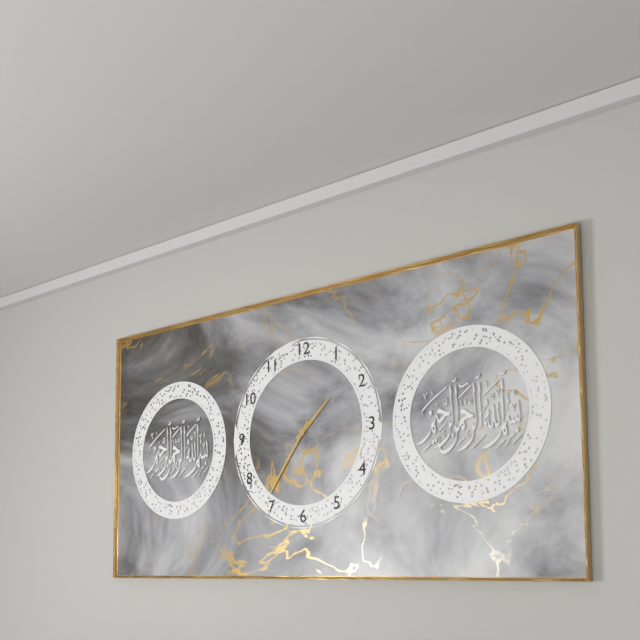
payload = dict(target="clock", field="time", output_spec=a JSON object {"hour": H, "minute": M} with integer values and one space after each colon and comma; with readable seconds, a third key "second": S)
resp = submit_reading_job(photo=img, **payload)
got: {"hour": 1, "minute": 36}
